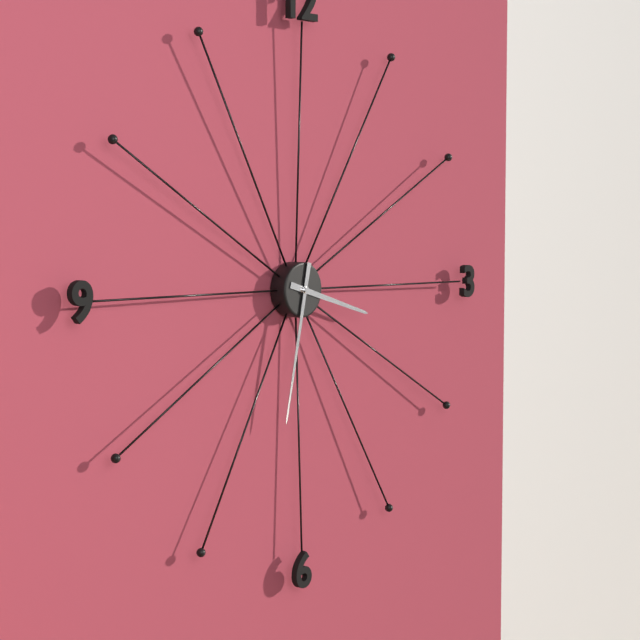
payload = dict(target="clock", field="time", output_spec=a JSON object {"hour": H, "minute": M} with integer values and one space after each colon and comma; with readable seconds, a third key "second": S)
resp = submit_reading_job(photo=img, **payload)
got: {"hour": 3, "minute": 32}
